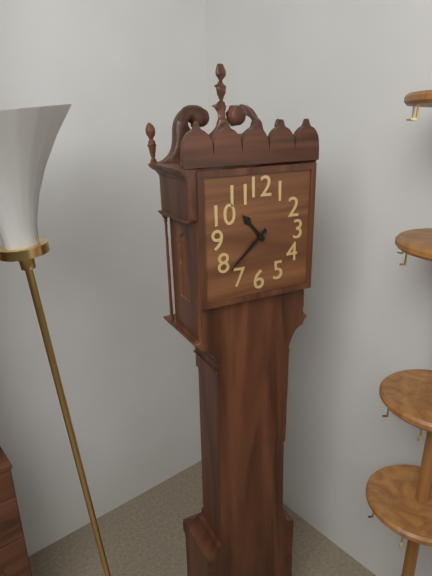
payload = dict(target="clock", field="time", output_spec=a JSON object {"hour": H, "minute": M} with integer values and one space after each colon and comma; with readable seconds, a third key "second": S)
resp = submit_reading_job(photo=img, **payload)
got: {"hour": 10, "minute": 38}
